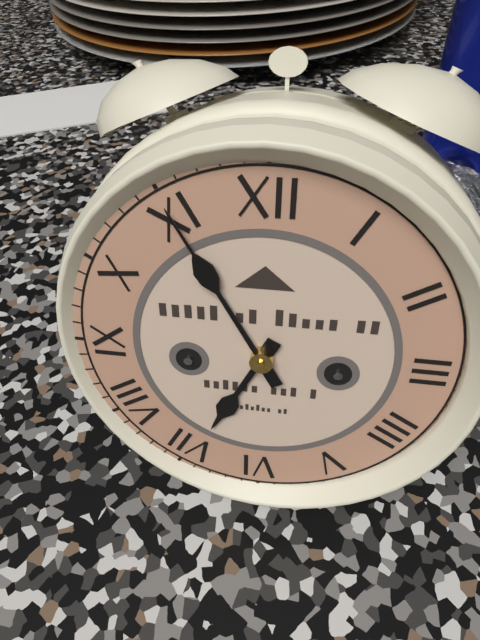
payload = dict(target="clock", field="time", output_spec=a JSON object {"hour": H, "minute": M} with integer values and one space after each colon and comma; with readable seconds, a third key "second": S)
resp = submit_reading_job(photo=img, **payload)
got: {"hour": 6, "minute": 55}
